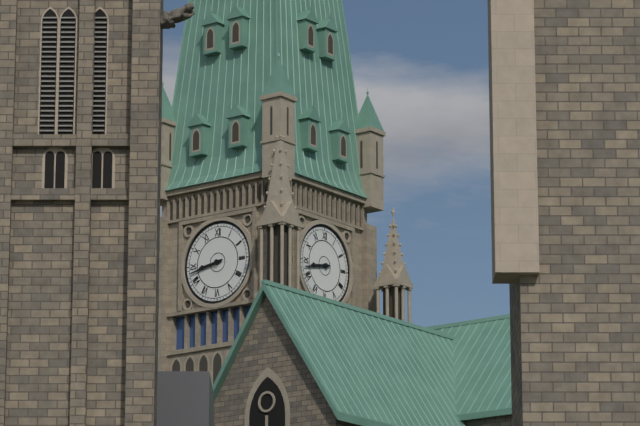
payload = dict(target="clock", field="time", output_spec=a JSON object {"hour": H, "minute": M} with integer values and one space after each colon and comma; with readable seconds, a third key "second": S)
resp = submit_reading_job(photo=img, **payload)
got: {"hour": 8, "minute": 43}
